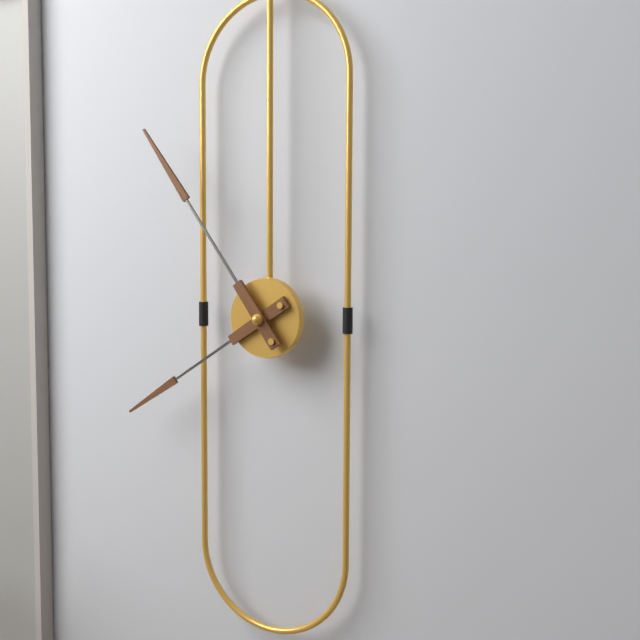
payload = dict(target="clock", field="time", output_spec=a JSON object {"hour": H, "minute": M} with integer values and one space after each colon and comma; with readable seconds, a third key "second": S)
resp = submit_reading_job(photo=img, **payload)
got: {"hour": 7, "minute": 54}
